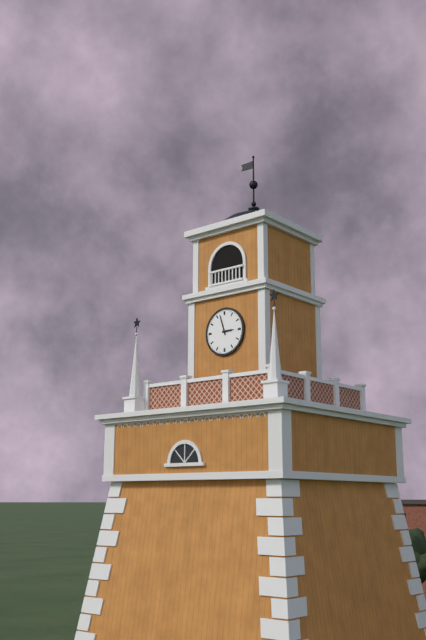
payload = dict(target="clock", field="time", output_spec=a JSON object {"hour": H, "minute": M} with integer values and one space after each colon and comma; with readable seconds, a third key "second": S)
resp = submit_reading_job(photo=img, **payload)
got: {"hour": 2, "minute": 57}
